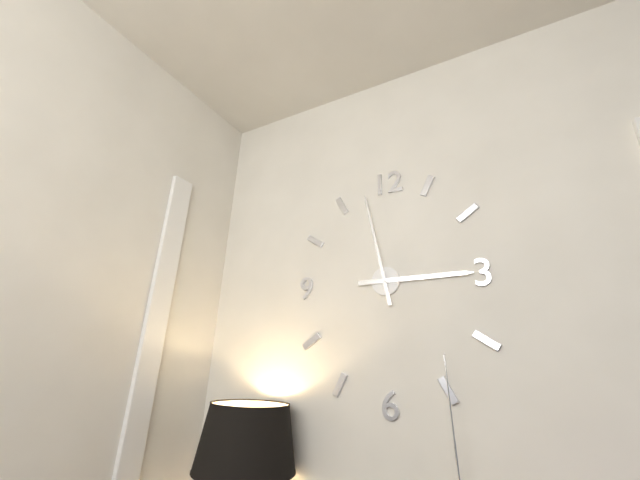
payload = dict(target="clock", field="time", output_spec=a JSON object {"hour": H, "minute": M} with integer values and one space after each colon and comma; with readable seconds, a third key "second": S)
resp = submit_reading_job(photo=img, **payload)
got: {"hour": 2, "minute": 58}
